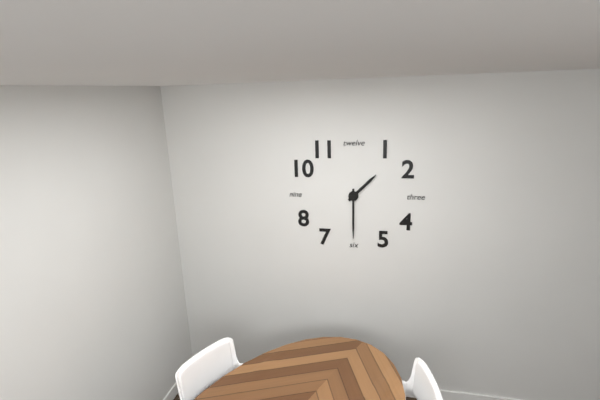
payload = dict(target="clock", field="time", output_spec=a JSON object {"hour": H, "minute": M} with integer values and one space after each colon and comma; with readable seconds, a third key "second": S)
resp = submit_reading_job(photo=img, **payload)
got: {"hour": 1, "minute": 30}
